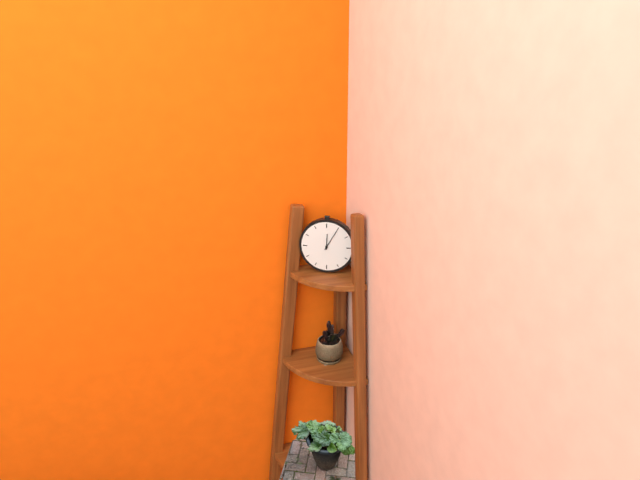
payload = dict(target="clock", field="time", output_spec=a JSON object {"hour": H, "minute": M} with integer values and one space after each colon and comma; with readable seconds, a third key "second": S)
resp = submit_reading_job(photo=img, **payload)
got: {"hour": 12, "minute": 5}
